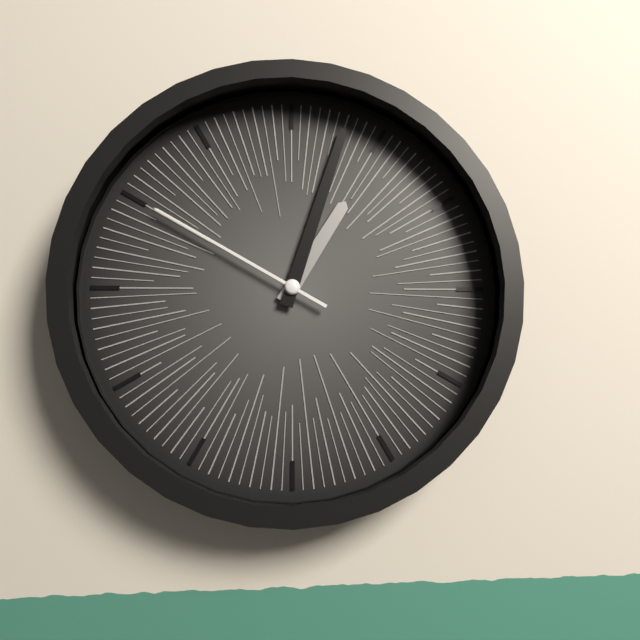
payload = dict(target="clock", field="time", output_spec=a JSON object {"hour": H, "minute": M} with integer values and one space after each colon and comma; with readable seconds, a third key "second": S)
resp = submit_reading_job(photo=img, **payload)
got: {"hour": 1, "minute": 3, "second": 50}
